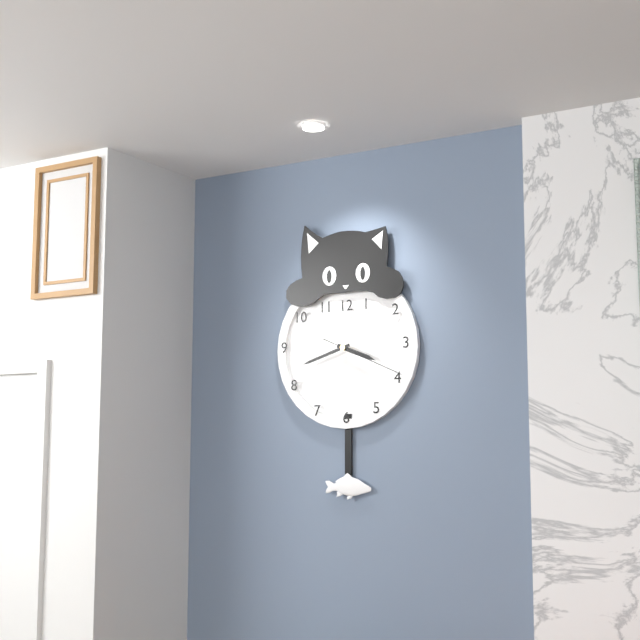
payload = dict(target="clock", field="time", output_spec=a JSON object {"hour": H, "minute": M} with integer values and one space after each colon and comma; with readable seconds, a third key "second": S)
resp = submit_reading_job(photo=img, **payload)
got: {"hour": 3, "minute": 42, "second": 19}
